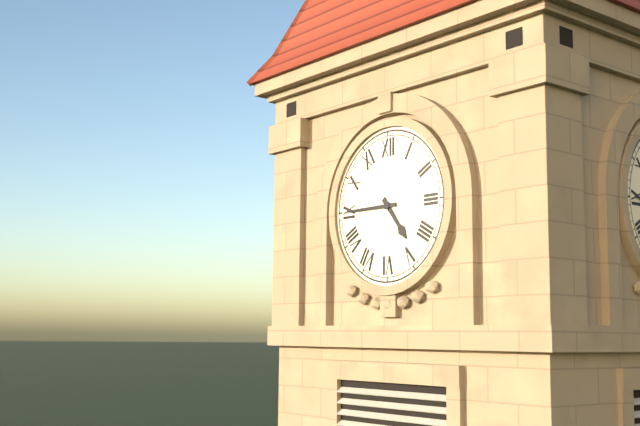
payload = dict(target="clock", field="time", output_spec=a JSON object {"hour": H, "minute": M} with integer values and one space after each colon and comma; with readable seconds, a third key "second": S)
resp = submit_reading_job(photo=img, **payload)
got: {"hour": 4, "minute": 45}
